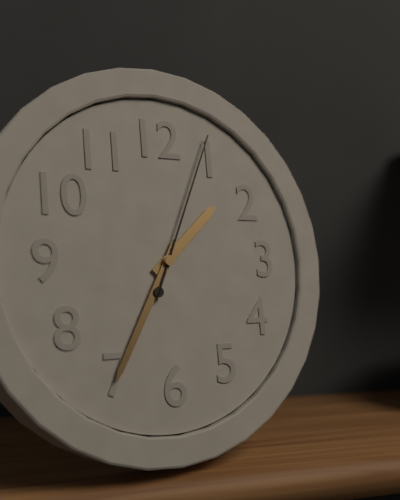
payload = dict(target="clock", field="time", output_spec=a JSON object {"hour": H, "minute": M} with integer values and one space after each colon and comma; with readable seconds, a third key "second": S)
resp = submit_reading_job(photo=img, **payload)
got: {"hour": 1, "minute": 35, "second": 4}
